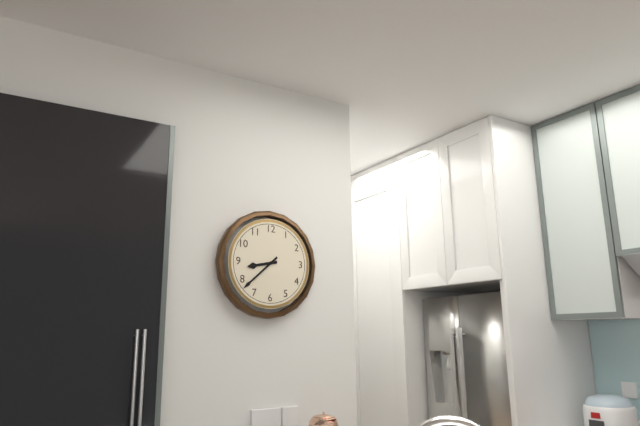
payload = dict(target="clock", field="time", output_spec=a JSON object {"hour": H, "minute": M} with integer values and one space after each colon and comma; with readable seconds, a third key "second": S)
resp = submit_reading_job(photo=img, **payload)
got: {"hour": 8, "minute": 38}
